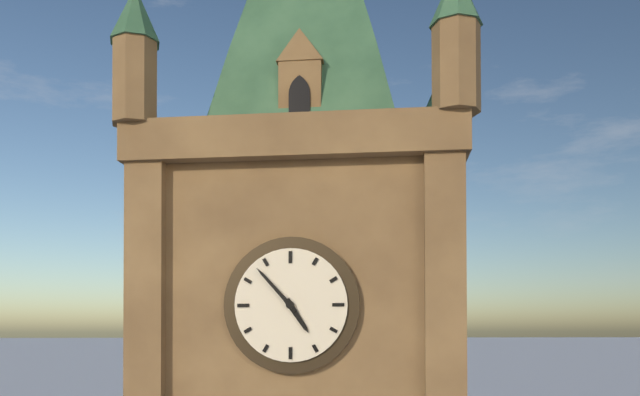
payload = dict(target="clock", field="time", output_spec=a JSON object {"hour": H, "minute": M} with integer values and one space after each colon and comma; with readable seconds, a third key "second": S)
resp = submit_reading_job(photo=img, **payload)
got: {"hour": 4, "minute": 53}
